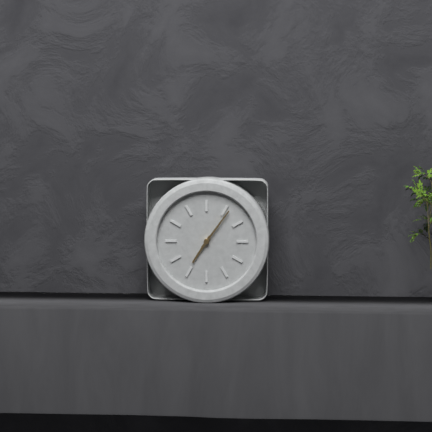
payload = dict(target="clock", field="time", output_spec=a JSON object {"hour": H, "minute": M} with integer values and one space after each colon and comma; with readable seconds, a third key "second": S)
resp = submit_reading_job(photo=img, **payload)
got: {"hour": 7, "minute": 6}
